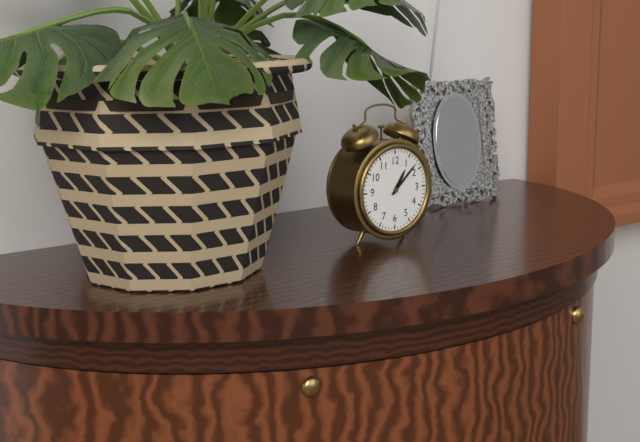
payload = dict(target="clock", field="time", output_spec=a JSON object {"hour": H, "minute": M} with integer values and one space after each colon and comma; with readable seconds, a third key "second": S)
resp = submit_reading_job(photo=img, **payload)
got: {"hour": 1, "minute": 8}
